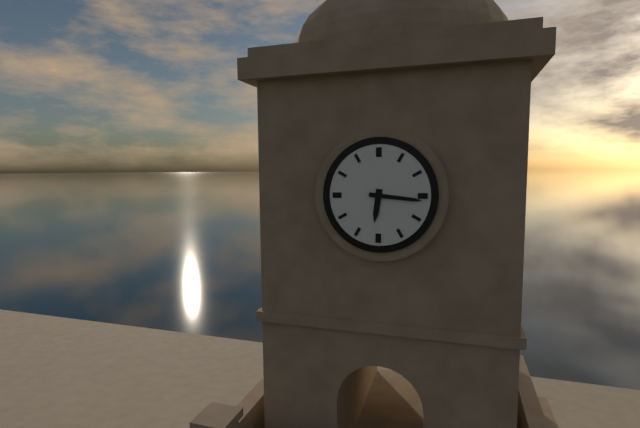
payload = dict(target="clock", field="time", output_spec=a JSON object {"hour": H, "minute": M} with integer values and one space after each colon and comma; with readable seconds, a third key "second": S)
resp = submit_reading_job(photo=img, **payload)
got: {"hour": 6, "minute": 16}
